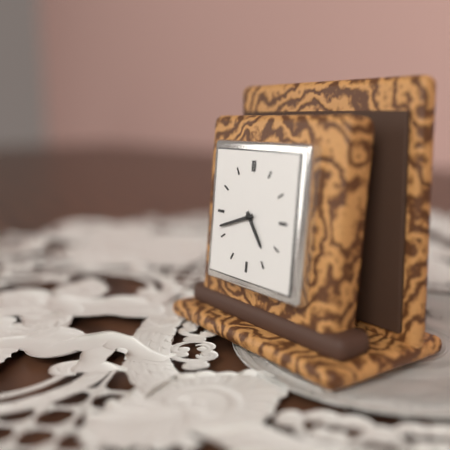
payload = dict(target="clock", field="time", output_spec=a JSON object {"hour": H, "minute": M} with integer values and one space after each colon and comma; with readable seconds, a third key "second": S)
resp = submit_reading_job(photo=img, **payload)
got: {"hour": 4, "minute": 42}
